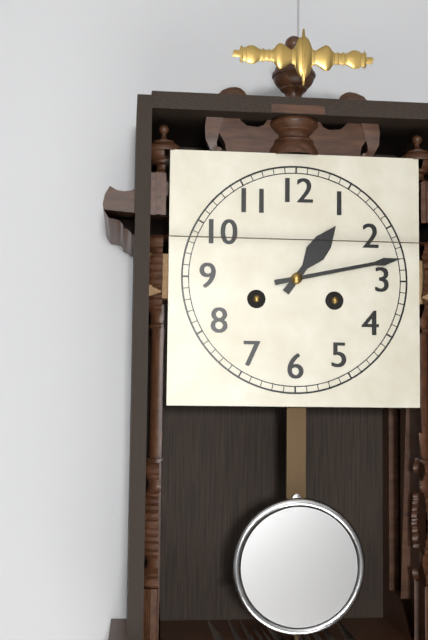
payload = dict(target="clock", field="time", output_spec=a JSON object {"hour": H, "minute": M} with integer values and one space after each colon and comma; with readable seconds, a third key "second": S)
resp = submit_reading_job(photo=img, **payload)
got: {"hour": 1, "minute": 13}
